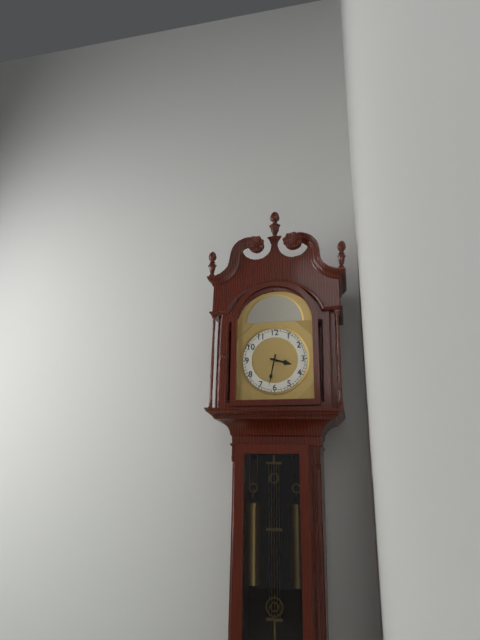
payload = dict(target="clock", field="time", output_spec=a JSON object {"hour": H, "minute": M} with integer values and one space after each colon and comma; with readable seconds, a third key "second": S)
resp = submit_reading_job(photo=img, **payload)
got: {"hour": 3, "minute": 32}
